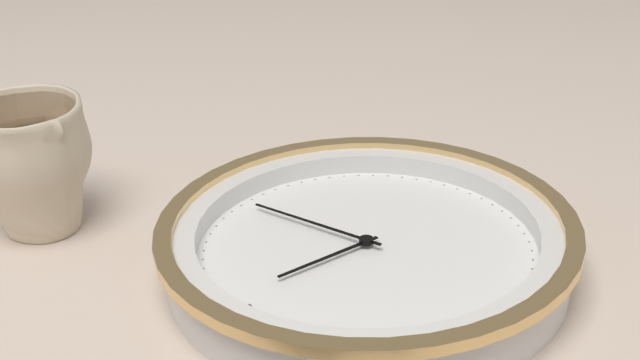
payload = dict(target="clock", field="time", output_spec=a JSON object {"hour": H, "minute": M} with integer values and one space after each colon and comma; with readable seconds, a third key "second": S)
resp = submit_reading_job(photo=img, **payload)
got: {"hour": 12, "minute": 13}
